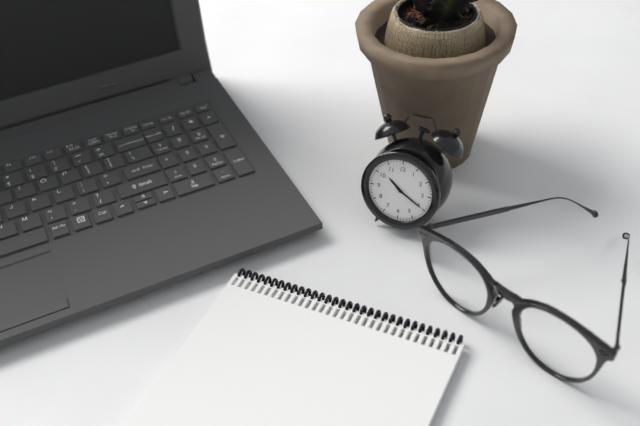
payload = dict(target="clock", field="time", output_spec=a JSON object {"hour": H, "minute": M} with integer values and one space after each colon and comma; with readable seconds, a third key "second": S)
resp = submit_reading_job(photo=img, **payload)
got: {"hour": 10, "minute": 20}
